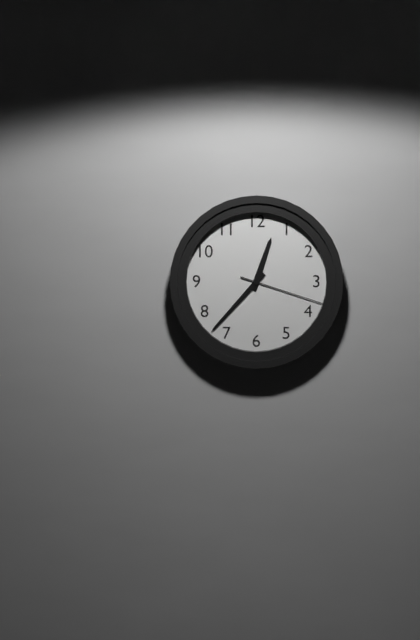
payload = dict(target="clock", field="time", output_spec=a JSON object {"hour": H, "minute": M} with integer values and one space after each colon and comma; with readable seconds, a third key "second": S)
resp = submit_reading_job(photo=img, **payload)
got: {"hour": 12, "minute": 37, "second": 18}
